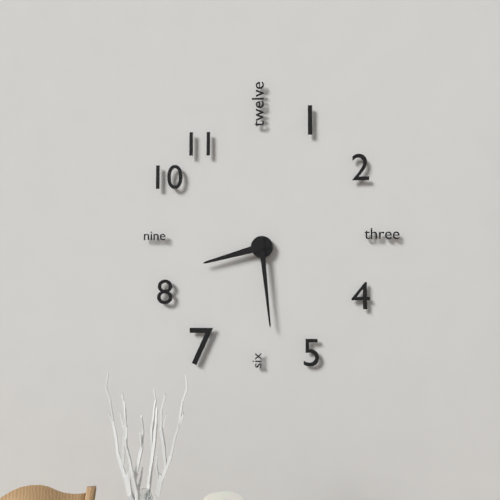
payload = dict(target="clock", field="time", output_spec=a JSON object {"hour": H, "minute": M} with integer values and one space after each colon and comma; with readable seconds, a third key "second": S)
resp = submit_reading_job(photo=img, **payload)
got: {"hour": 8, "minute": 29}
